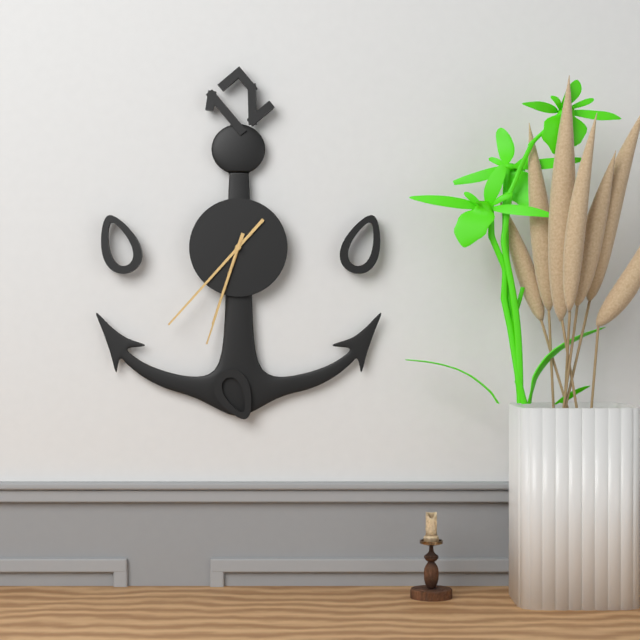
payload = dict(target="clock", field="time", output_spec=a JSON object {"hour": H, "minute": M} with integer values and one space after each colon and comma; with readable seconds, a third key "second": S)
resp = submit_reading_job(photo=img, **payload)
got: {"hour": 6, "minute": 37, "second": 33}
